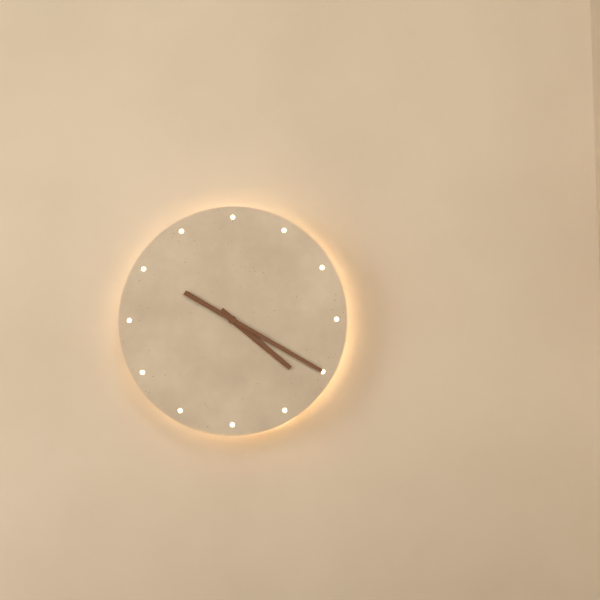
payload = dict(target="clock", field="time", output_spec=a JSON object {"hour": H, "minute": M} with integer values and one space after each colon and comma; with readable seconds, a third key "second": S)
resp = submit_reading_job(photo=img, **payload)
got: {"hour": 4, "minute": 20}
